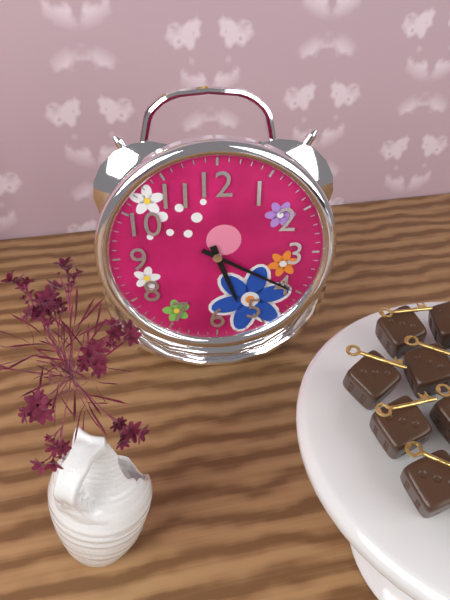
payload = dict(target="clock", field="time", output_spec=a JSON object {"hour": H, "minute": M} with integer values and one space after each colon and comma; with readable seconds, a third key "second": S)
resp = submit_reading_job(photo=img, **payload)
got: {"hour": 5, "minute": 20}
